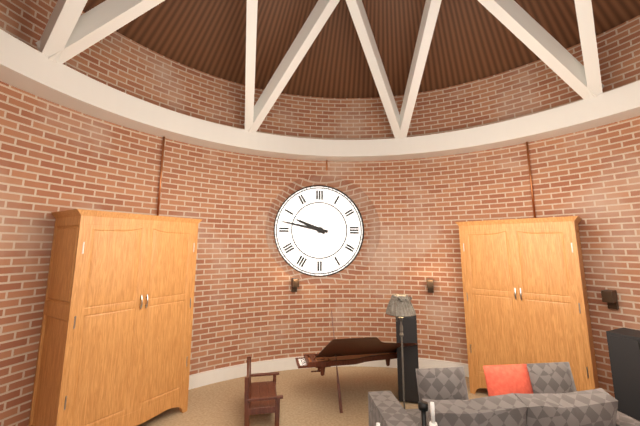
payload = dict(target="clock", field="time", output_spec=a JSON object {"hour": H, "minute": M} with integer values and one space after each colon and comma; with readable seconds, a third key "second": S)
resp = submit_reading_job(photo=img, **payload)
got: {"hour": 9, "minute": 47}
